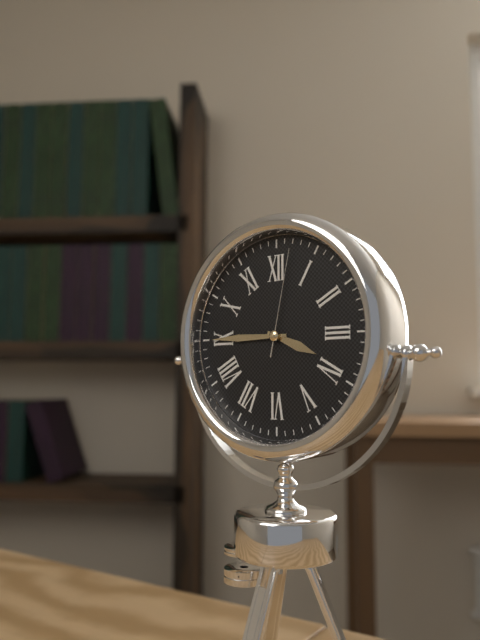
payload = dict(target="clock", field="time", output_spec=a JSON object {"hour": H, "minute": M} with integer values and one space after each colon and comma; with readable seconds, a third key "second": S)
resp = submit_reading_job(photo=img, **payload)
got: {"hour": 3, "minute": 45, "second": 2}
